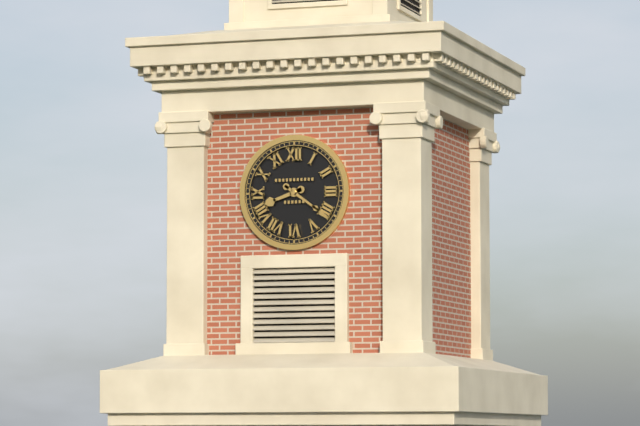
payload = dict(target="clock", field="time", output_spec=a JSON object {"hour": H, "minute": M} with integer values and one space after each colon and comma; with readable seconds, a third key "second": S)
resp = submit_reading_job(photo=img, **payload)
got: {"hour": 8, "minute": 21}
